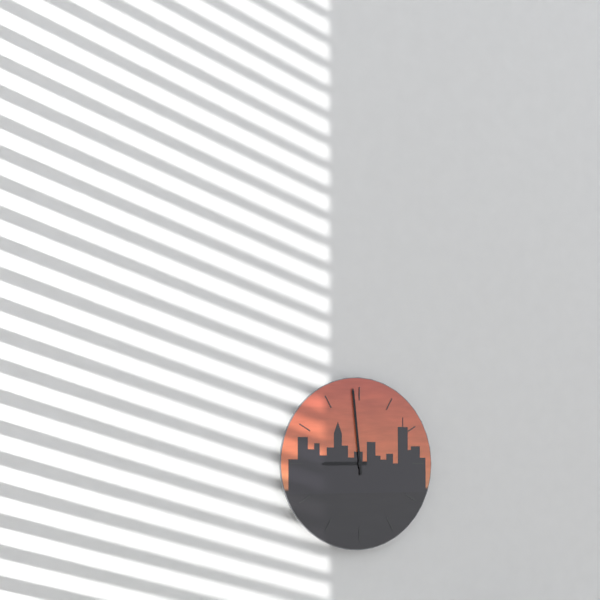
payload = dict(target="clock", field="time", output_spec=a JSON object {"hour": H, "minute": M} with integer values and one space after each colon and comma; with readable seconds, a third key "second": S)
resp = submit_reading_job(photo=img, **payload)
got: {"hour": 8, "minute": 59}
